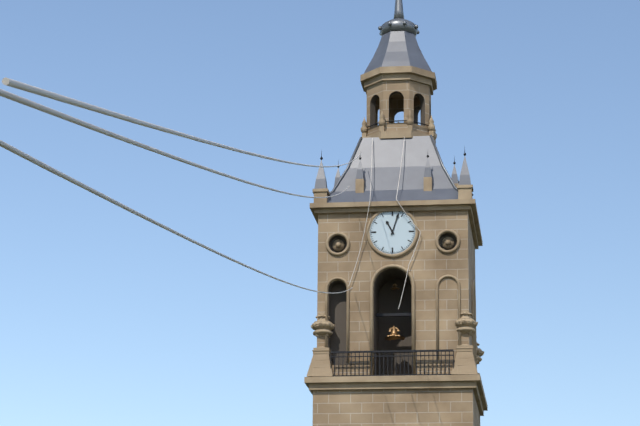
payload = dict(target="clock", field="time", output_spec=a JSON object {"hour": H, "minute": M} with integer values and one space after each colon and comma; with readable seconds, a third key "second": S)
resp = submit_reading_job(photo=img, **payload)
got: {"hour": 11, "minute": 3}
